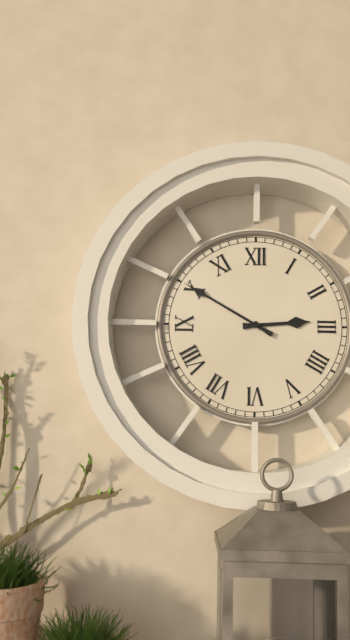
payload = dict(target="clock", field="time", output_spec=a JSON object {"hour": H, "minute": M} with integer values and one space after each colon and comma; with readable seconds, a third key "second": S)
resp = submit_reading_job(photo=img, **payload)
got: {"hour": 2, "minute": 50}
